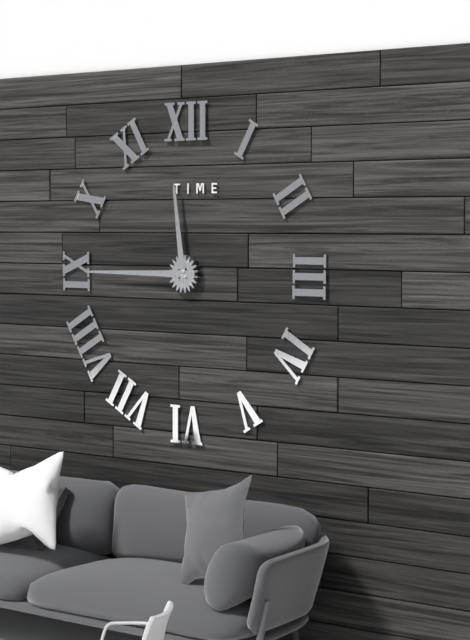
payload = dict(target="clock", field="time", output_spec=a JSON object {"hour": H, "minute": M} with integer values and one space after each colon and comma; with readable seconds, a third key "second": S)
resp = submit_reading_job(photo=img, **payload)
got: {"hour": 11, "minute": 45}
